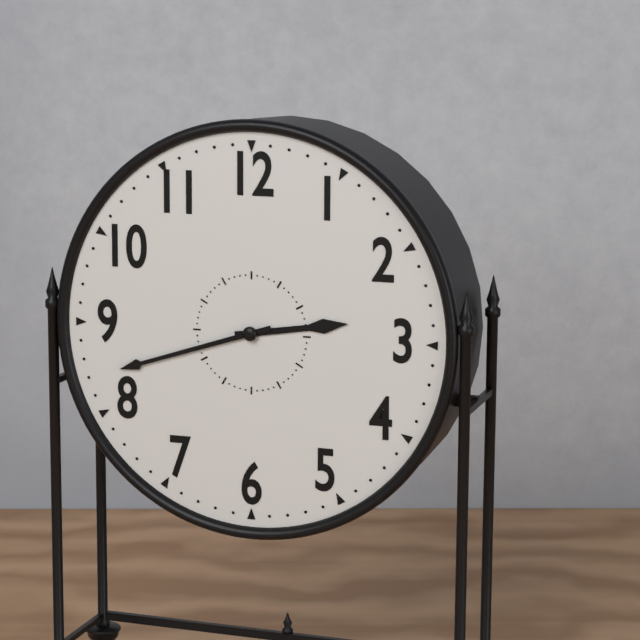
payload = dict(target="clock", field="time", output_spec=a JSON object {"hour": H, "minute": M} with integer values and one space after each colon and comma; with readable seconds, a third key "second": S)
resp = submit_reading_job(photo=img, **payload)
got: {"hour": 2, "minute": 42}
